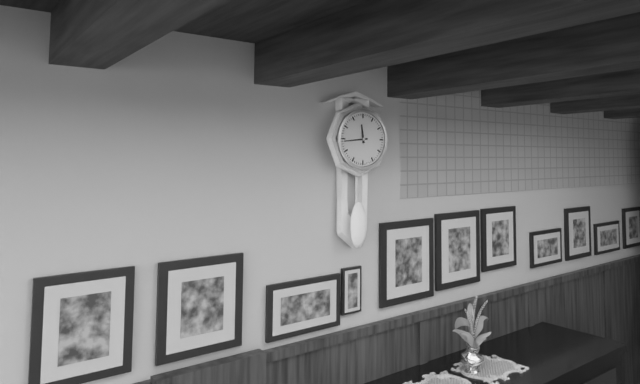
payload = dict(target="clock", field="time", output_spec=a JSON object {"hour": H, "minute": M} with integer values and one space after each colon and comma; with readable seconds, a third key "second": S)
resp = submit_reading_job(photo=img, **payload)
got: {"hour": 11, "minute": 44}
